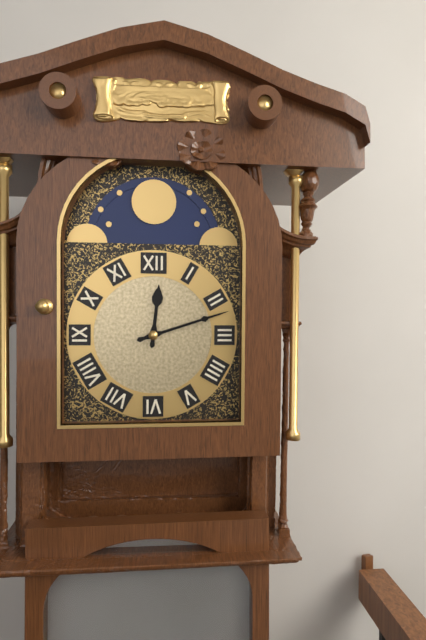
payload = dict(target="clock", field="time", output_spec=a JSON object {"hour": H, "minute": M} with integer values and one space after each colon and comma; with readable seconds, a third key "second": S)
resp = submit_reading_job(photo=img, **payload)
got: {"hour": 12, "minute": 12}
